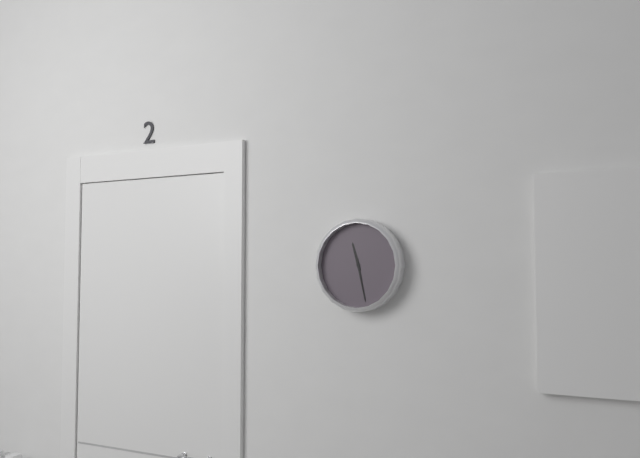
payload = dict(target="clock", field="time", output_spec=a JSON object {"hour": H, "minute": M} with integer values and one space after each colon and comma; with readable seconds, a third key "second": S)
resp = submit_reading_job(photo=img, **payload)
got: {"hour": 11, "minute": 28}
